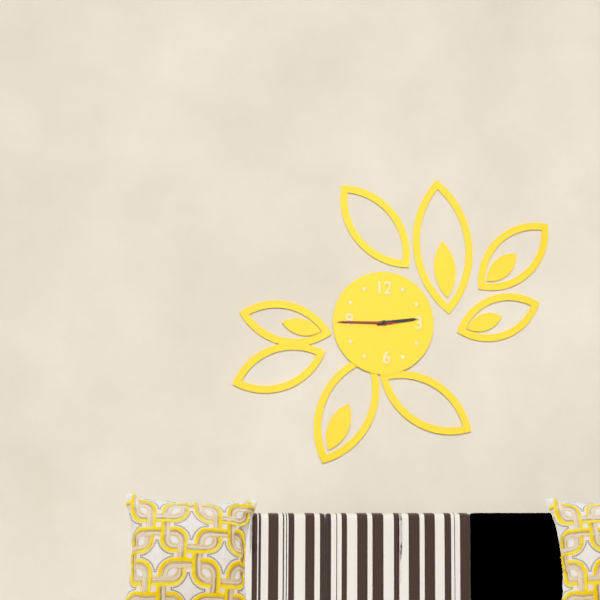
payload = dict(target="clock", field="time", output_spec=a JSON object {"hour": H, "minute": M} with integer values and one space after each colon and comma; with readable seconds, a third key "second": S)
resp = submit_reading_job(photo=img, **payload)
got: {"hour": 2, "minute": 45, "second": 45}
